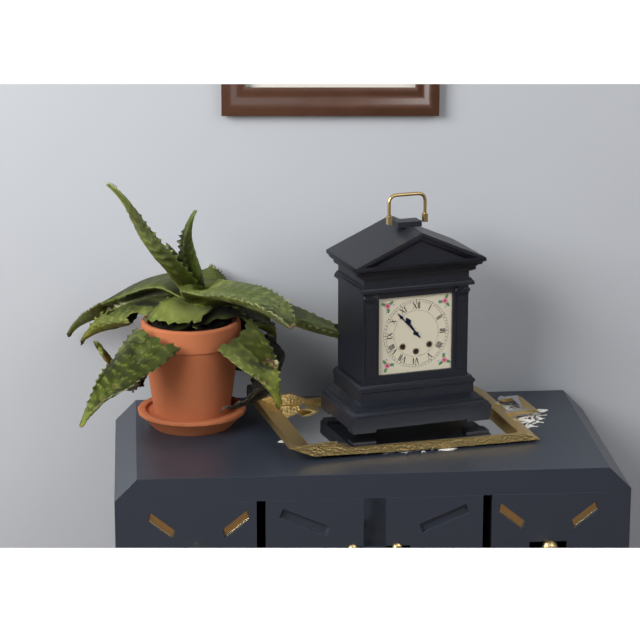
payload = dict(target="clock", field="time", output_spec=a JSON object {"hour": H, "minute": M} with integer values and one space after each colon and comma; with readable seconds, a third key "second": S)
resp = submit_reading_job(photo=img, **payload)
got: {"hour": 10, "minute": 53}
